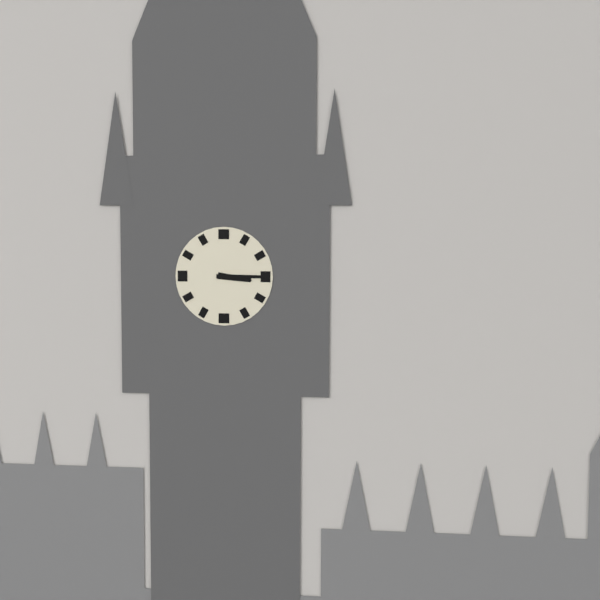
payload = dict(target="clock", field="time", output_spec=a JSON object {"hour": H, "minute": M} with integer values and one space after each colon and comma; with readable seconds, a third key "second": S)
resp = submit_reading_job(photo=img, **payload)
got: {"hour": 3, "minute": 15}
